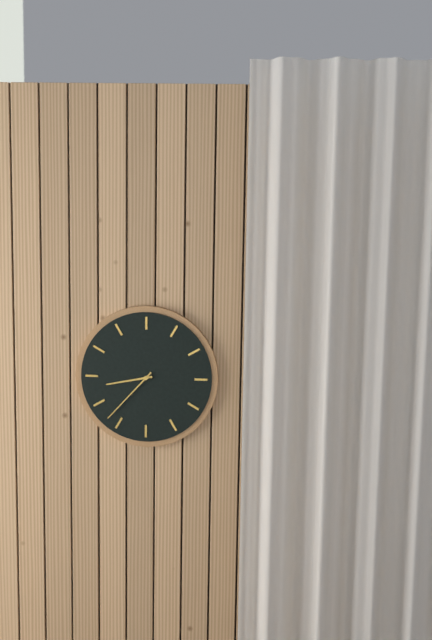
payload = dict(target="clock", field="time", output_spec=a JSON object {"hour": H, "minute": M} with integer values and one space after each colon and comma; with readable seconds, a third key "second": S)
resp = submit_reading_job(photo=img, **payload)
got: {"hour": 8, "minute": 37}
